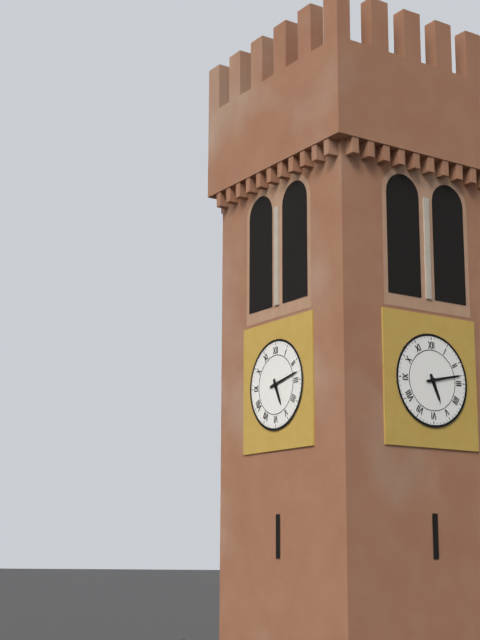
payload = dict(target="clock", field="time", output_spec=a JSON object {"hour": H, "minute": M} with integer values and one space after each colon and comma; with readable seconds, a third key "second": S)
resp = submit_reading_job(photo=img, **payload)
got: {"hour": 5, "minute": 13}
